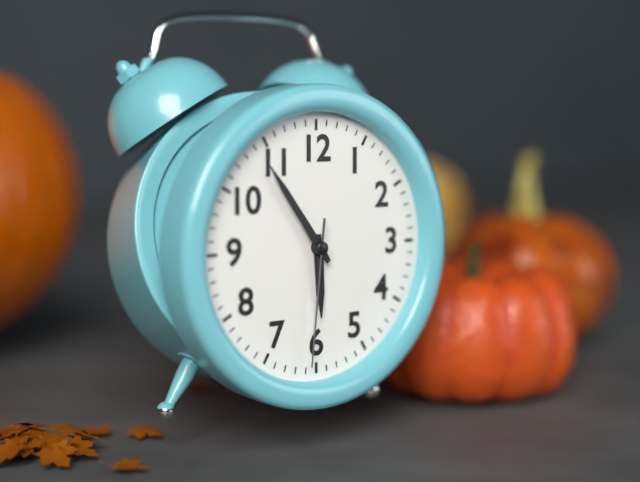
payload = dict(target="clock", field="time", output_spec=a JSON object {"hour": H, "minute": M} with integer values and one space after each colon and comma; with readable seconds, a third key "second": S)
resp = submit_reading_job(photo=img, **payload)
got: {"hour": 5, "minute": 54, "second": 31}
